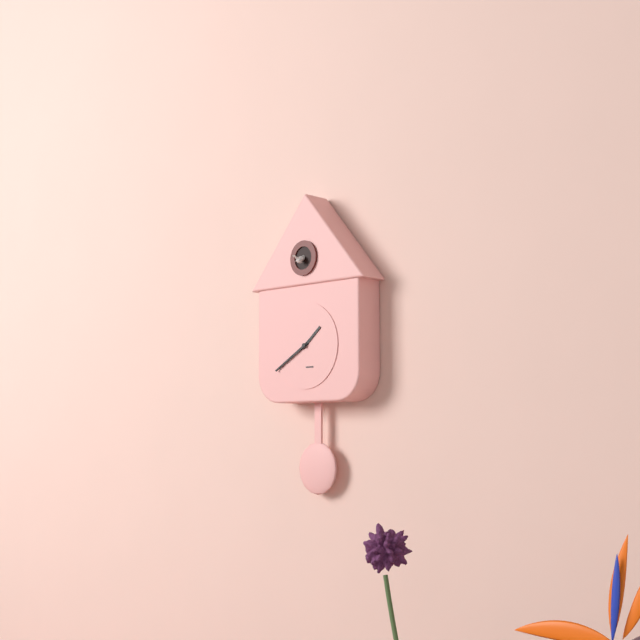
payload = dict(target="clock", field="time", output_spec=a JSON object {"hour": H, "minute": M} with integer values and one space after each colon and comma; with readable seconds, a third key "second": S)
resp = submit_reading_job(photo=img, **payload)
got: {"hour": 1, "minute": 40}
